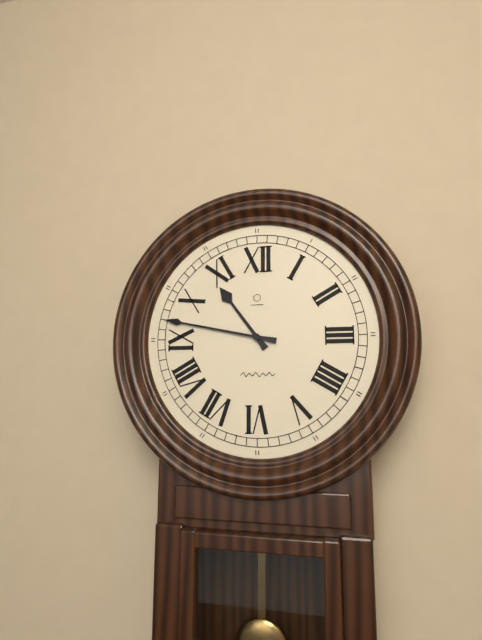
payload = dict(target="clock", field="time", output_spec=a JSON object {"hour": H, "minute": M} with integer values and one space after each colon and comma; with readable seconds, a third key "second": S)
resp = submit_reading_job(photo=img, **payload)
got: {"hour": 10, "minute": 47}
